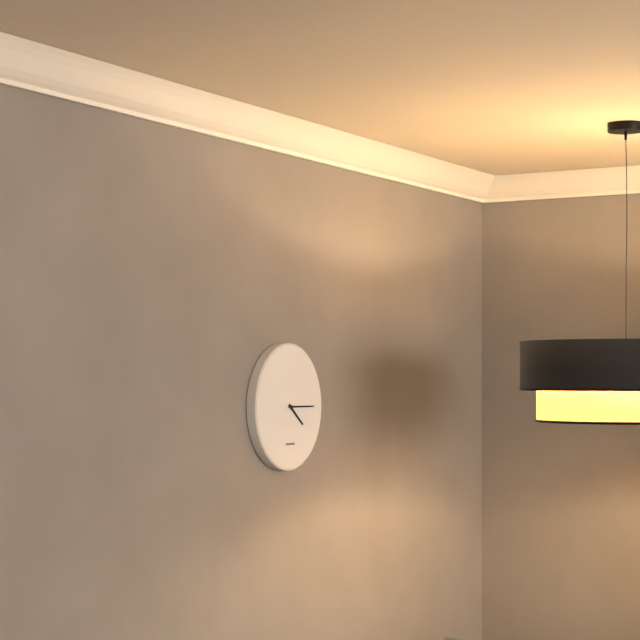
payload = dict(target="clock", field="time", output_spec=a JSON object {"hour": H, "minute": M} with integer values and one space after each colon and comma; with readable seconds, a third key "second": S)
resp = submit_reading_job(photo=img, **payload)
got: {"hour": 4, "minute": 15}
